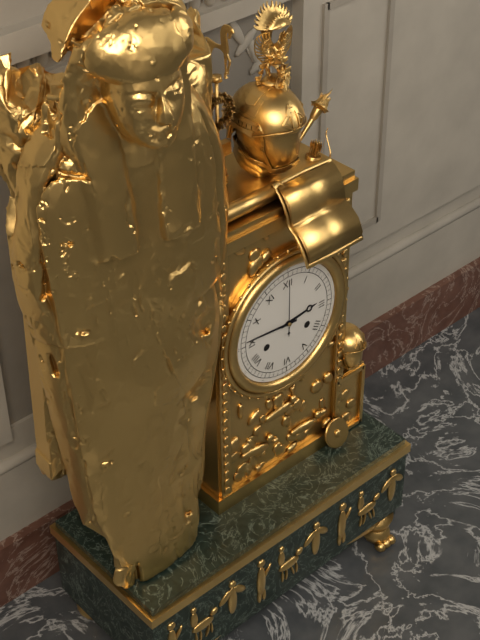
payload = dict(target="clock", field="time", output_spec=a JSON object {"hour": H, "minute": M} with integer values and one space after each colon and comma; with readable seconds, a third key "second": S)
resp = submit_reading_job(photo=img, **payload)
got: {"hour": 2, "minute": 46}
